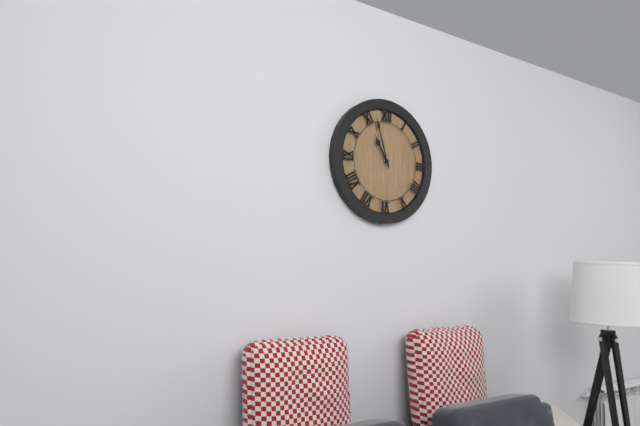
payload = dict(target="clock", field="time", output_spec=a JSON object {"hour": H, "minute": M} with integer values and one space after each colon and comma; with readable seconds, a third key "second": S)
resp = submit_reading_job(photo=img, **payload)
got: {"hour": 10, "minute": 57}
